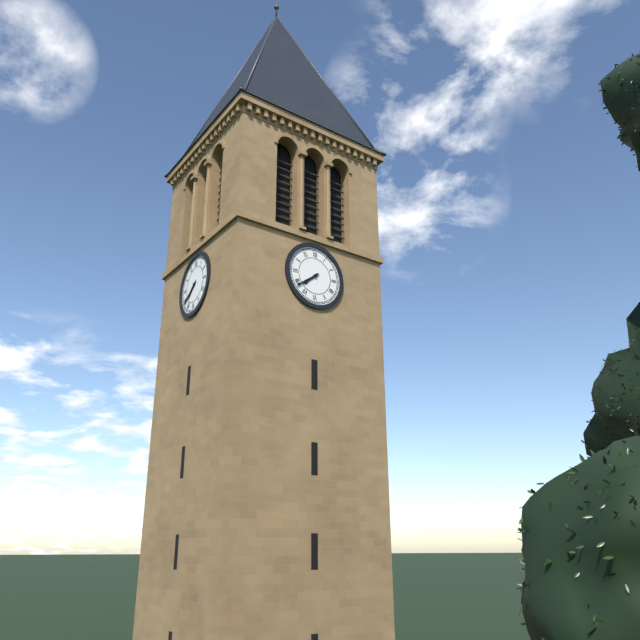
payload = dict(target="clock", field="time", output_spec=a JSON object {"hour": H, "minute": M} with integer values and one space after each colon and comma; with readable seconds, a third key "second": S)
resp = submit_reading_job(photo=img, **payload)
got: {"hour": 7, "minute": 39}
